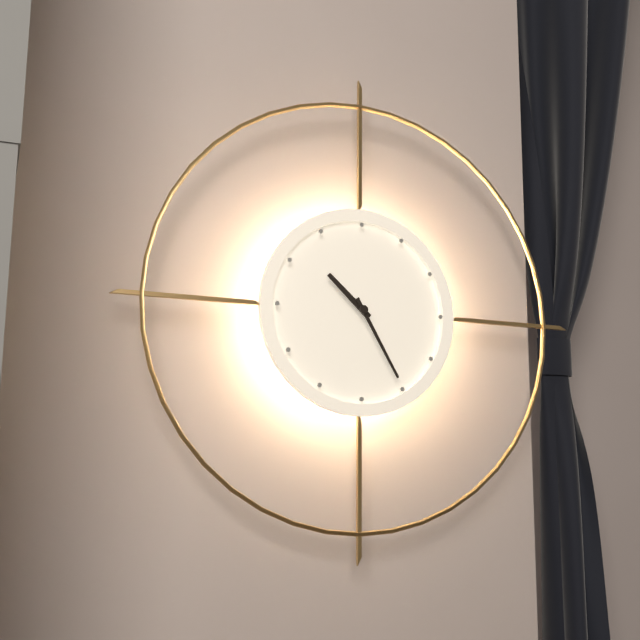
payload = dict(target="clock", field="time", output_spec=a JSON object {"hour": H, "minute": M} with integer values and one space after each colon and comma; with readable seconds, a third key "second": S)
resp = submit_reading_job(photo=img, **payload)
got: {"hour": 10, "minute": 25}
